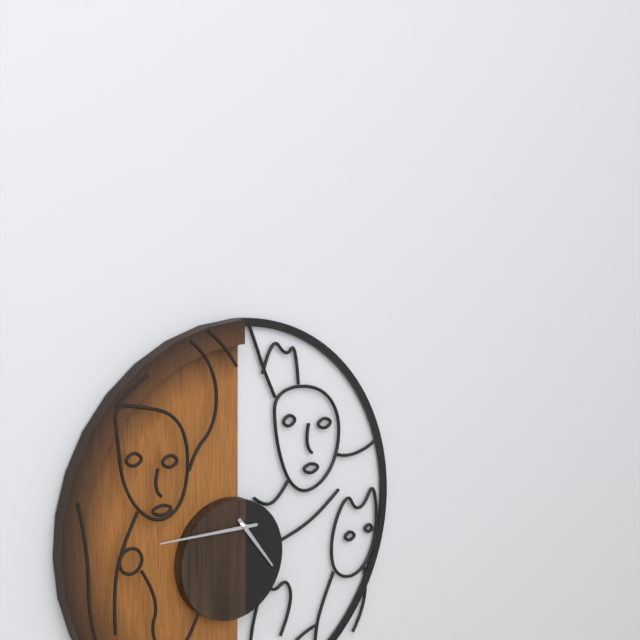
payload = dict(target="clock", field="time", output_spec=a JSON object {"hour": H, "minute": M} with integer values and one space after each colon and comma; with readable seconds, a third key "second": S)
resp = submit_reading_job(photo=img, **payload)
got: {"hour": 4, "minute": 45}
